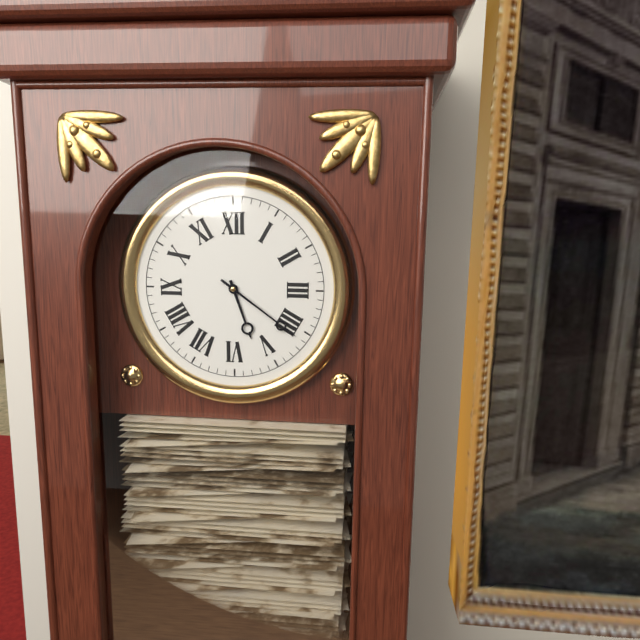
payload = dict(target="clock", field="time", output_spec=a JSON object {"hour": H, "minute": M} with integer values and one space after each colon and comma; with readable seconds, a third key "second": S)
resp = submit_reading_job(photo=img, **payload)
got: {"hour": 5, "minute": 21}
